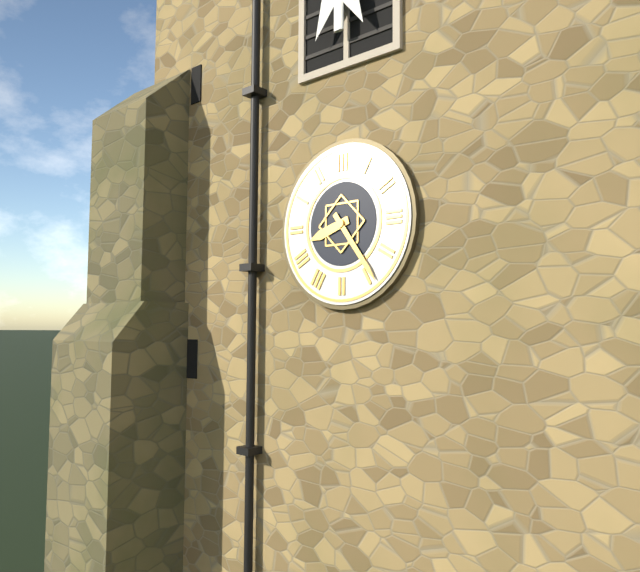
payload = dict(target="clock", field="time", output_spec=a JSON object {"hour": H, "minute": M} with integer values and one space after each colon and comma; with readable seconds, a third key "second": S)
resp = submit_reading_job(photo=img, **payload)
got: {"hour": 8, "minute": 24}
